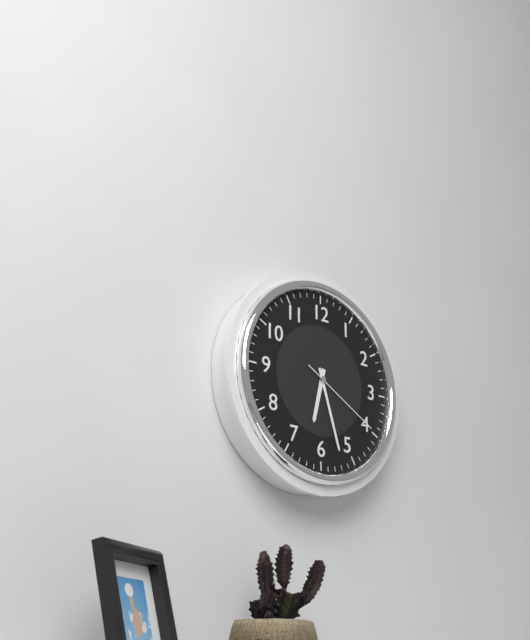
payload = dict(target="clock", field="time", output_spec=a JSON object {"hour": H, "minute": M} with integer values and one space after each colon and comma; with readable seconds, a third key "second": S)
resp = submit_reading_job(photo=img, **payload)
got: {"hour": 6, "minute": 27, "second": 20}
